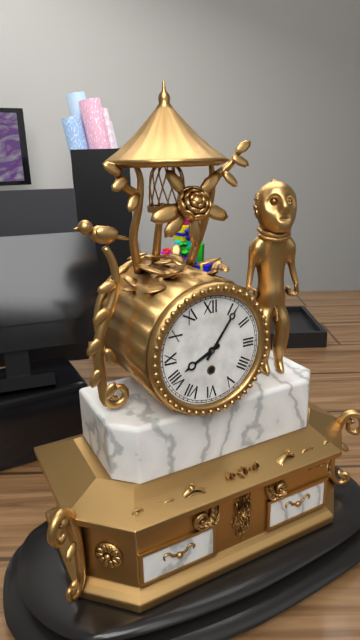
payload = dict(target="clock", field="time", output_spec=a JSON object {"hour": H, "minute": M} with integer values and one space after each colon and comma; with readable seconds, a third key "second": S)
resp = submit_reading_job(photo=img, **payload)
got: {"hour": 8, "minute": 6}
